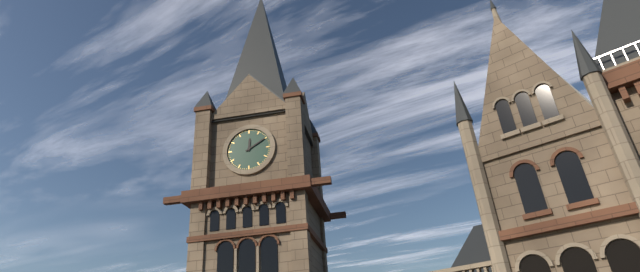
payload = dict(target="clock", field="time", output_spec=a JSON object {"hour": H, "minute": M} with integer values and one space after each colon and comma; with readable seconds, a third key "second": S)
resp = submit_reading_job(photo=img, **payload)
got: {"hour": 12, "minute": 10}
